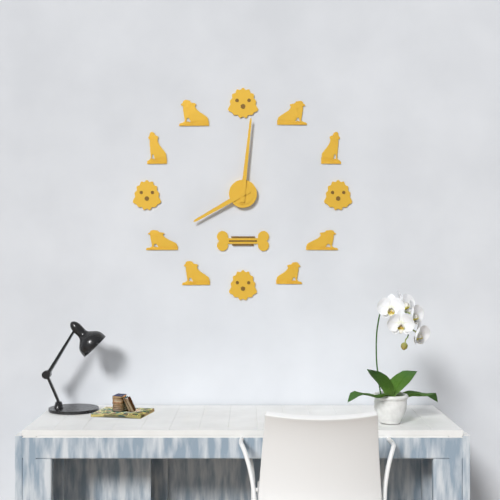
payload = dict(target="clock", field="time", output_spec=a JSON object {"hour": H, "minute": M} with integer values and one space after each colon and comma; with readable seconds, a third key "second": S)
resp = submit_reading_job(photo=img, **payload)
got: {"hour": 8, "minute": 1}
